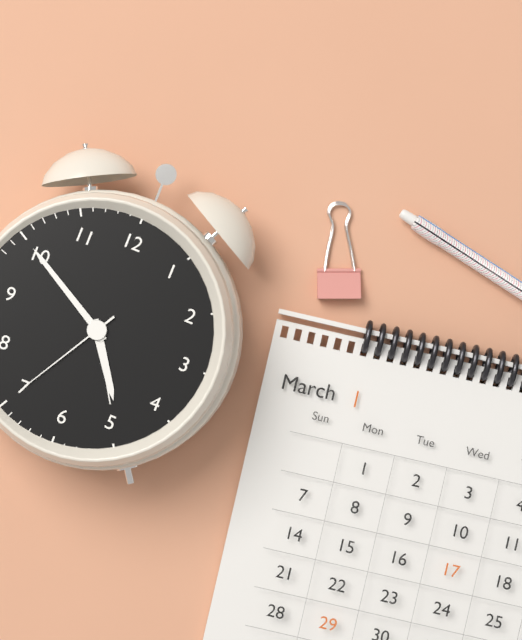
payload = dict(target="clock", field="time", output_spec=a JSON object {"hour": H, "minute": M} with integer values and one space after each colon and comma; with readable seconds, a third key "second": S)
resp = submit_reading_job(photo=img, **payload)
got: {"hour": 4, "minute": 50, "second": 35}
